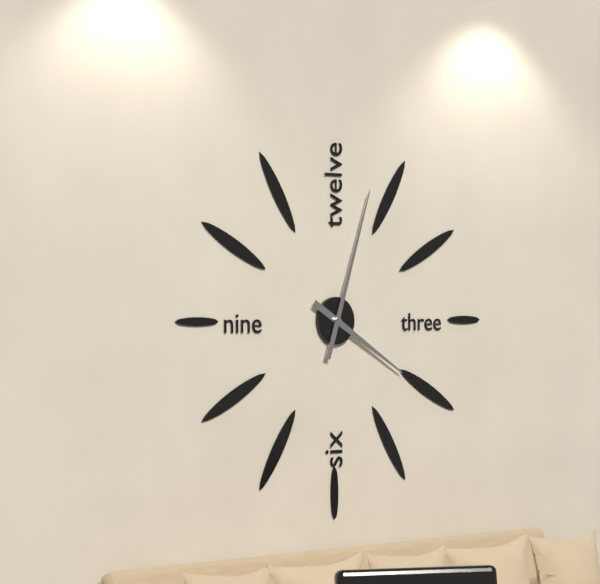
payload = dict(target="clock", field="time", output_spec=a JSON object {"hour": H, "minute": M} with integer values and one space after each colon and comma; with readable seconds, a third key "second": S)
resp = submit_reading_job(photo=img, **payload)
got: {"hour": 4, "minute": 3}
